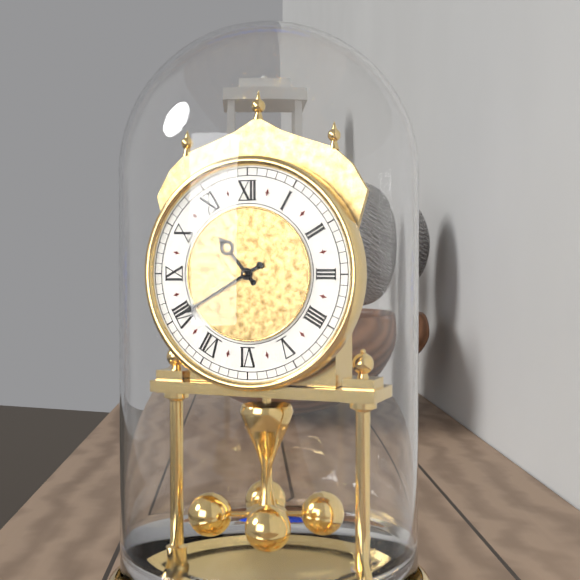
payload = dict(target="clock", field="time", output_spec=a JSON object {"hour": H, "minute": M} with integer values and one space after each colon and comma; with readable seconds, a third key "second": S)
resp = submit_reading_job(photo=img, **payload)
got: {"hour": 10, "minute": 40}
